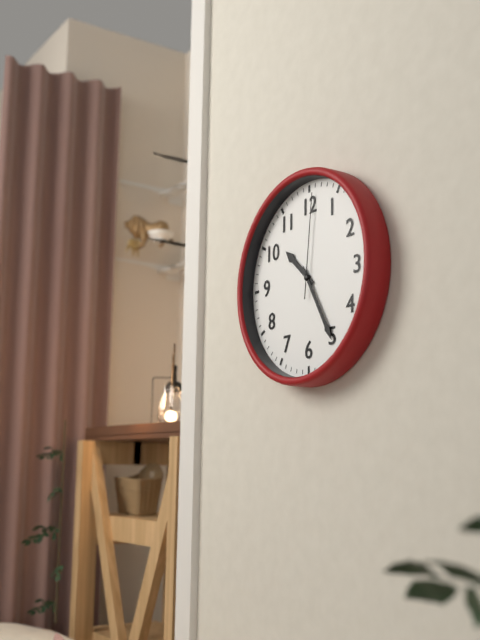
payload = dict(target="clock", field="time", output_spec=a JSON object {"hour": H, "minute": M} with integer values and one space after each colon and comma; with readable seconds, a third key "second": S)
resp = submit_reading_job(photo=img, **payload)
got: {"hour": 10, "minute": 25, "second": 1}
